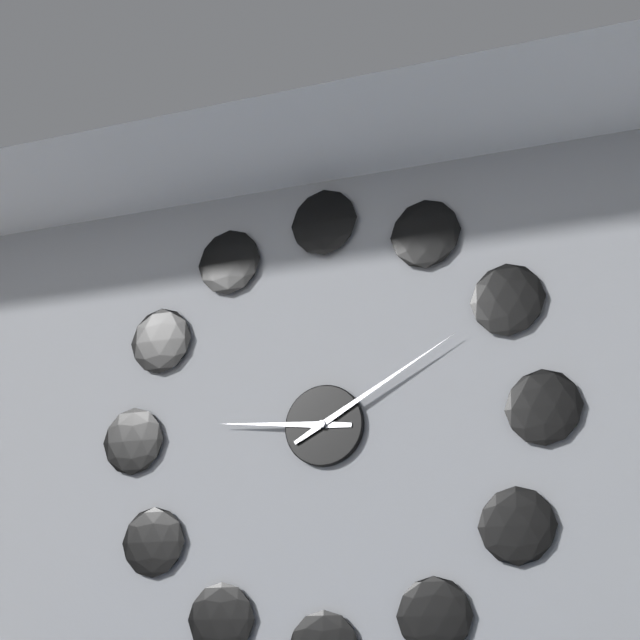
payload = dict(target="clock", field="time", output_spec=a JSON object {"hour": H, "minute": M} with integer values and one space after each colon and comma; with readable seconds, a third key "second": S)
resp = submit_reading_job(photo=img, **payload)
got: {"hour": 9, "minute": 10}
